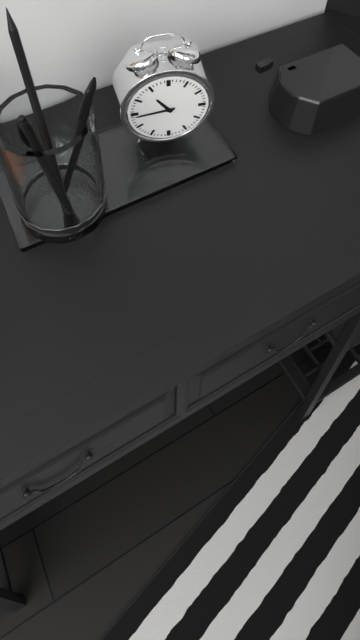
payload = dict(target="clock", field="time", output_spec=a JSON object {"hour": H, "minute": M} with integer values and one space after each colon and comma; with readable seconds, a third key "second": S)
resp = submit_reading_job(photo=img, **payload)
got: {"hour": 10, "minute": 44}
